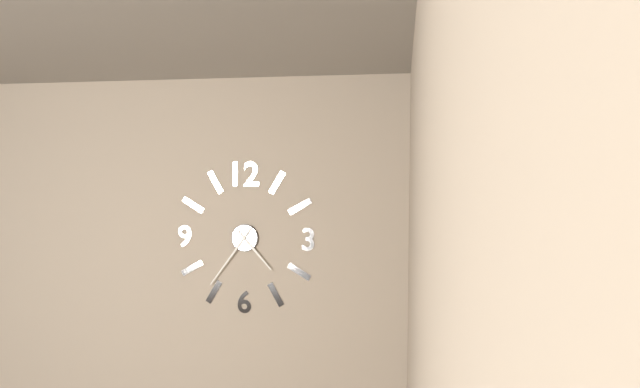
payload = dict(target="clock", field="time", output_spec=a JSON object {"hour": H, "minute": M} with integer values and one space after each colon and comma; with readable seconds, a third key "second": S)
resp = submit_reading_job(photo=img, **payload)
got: {"hour": 4, "minute": 36}
